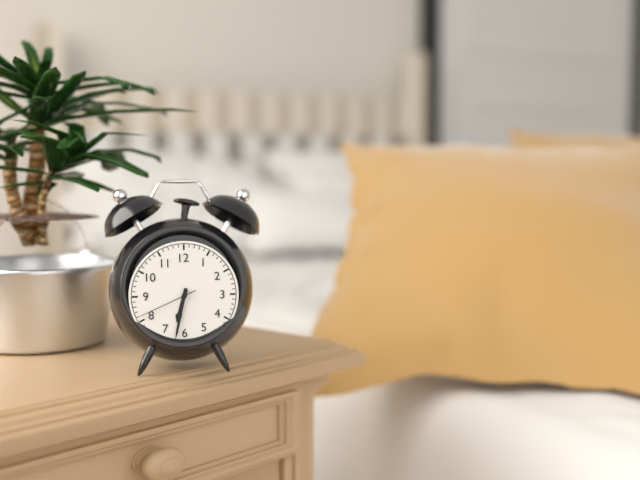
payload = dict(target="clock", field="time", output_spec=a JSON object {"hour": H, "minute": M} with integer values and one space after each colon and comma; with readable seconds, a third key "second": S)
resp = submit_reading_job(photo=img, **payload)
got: {"hour": 6, "minute": 32, "second": 41}
